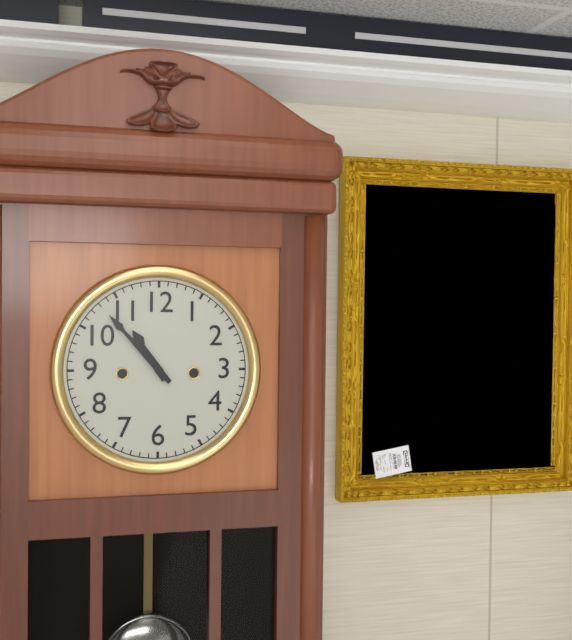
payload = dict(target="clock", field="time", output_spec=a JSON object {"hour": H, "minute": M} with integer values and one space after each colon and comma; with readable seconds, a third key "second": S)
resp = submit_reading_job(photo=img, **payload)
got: {"hour": 10, "minute": 53}
